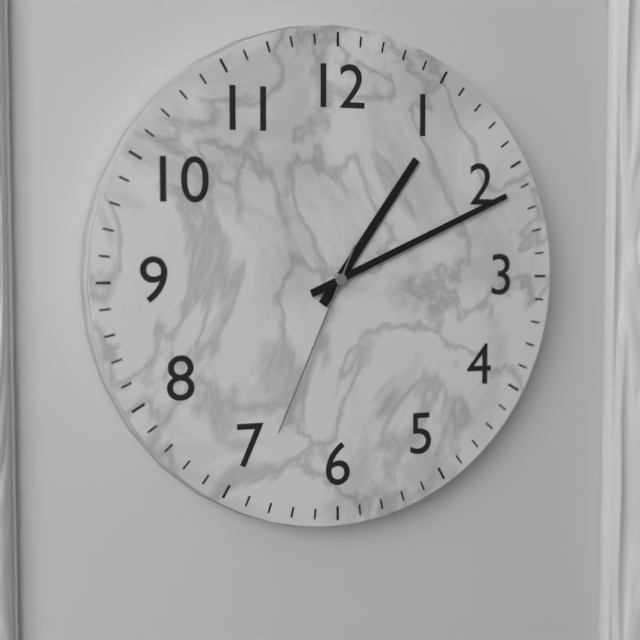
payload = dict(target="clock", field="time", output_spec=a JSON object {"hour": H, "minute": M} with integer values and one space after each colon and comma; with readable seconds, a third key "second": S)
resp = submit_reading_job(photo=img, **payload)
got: {"hour": 1, "minute": 11, "second": 34}
